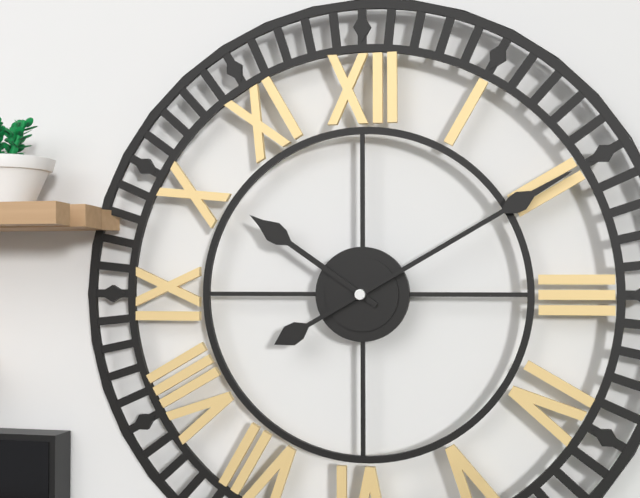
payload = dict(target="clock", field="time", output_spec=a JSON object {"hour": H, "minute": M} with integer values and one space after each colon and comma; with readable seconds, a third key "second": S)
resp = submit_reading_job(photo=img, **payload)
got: {"hour": 10, "minute": 10}
